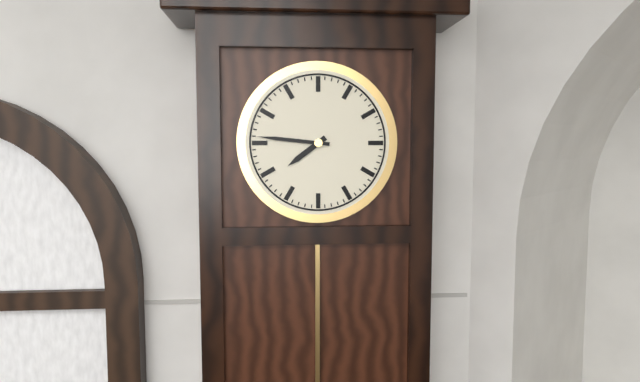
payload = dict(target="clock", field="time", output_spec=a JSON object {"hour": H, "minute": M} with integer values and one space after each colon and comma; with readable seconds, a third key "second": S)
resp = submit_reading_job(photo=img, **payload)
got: {"hour": 7, "minute": 46}
